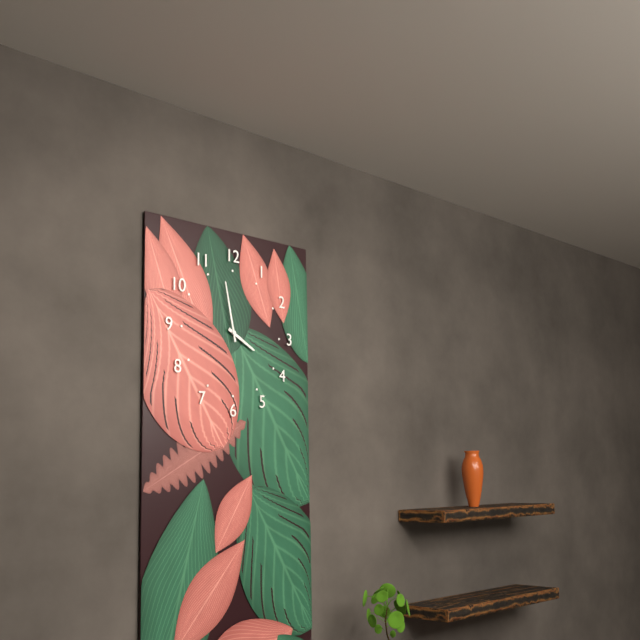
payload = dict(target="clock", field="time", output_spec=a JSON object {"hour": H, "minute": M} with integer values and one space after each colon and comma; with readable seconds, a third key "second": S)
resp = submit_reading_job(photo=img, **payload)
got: {"hour": 3, "minute": 58}
